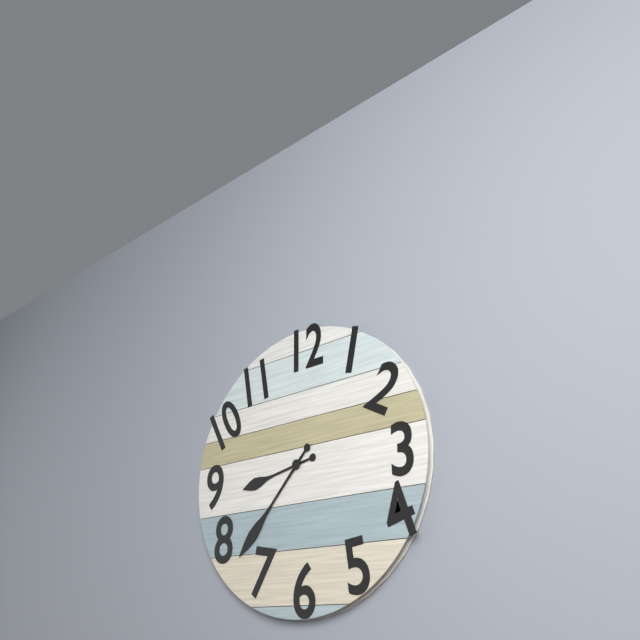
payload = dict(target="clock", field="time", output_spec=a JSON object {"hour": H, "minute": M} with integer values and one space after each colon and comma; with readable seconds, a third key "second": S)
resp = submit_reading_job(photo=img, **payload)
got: {"hour": 8, "minute": 37}
